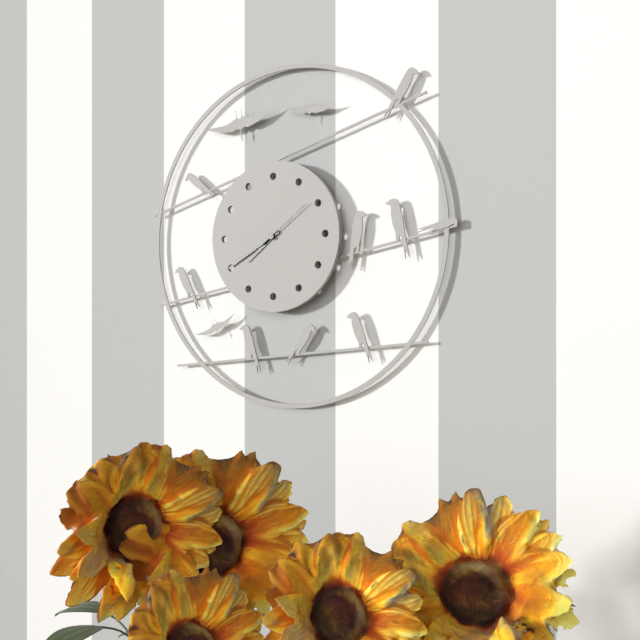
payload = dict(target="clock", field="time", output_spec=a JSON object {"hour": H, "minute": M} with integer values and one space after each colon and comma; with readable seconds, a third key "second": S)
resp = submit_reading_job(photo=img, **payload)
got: {"hour": 7, "minute": 40, "second": 9}
